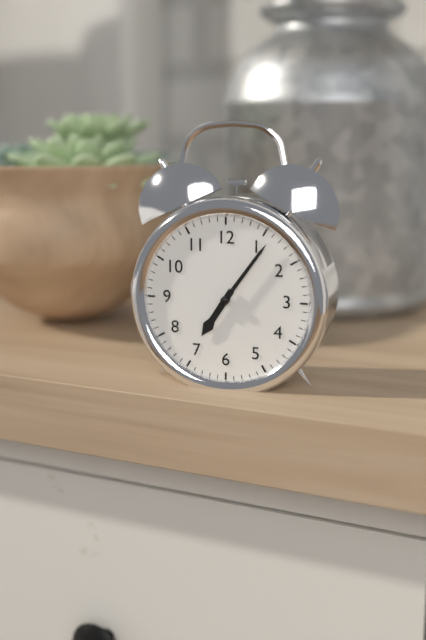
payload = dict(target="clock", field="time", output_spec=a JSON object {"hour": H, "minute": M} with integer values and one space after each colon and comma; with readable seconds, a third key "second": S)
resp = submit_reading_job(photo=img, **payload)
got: {"hour": 7, "minute": 6}
